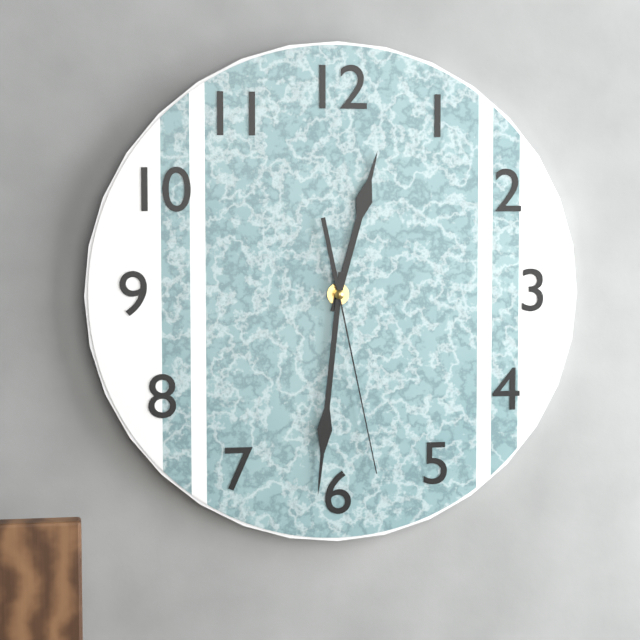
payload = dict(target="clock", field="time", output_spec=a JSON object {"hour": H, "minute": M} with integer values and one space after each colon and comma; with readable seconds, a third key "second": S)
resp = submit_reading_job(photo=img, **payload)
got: {"hour": 12, "minute": 31, "second": 28}
